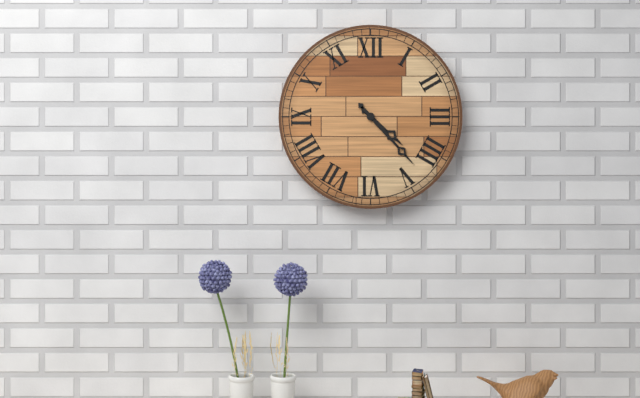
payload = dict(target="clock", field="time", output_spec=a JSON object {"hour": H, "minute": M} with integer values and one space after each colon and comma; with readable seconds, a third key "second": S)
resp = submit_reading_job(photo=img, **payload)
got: {"hour": 4, "minute": 23}
